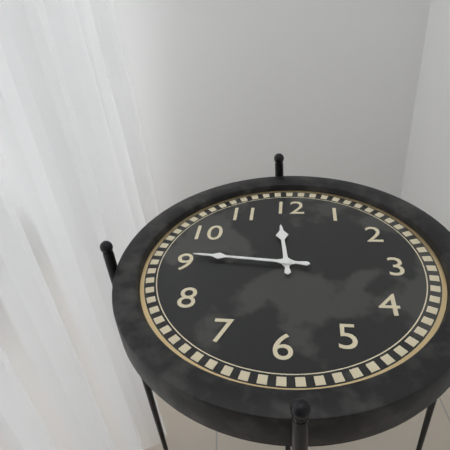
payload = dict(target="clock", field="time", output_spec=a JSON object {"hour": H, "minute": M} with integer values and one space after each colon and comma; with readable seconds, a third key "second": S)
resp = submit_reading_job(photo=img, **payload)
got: {"hour": 11, "minute": 46}
